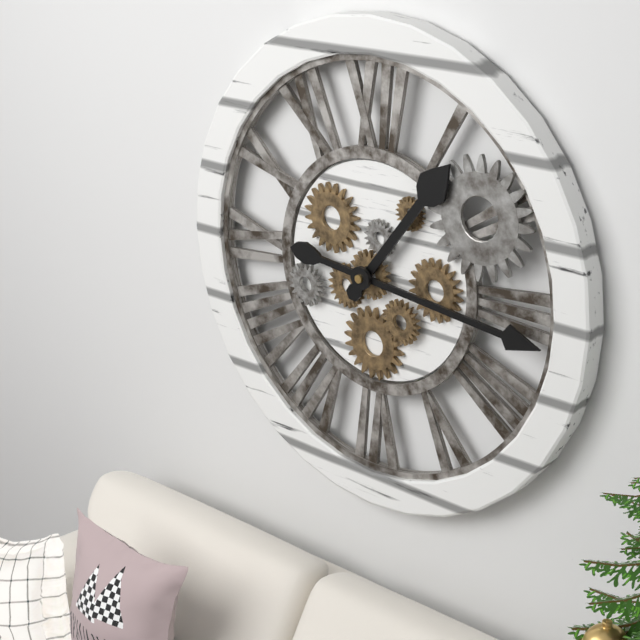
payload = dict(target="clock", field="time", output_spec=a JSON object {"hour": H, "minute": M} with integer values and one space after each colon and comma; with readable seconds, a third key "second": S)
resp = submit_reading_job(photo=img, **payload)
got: {"hour": 1, "minute": 16}
